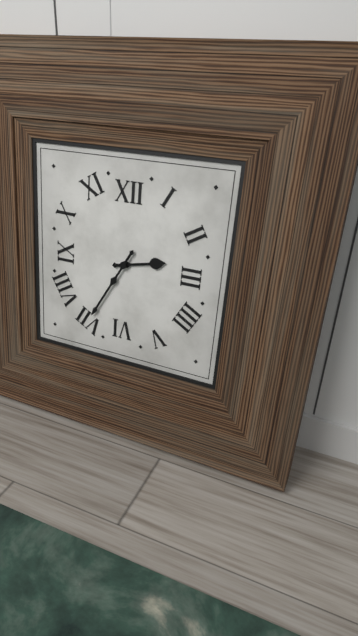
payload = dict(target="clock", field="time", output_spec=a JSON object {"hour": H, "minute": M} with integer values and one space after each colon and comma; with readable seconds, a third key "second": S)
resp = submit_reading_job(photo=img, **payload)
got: {"hour": 2, "minute": 35}
